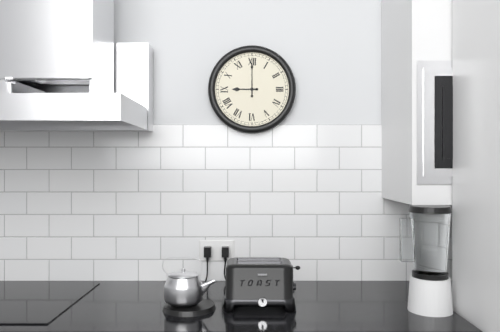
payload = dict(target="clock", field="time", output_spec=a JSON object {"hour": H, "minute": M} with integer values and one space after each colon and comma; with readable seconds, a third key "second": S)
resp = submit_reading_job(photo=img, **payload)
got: {"hour": 9, "minute": 0}
